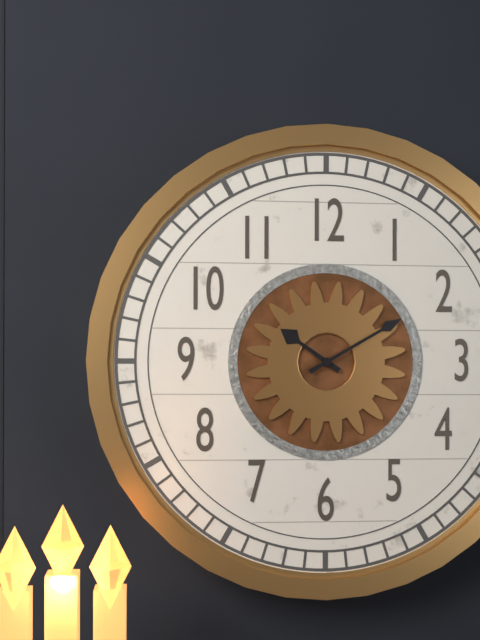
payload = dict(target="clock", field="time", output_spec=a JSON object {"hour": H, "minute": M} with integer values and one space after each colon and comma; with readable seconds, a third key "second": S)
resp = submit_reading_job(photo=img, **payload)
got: {"hour": 10, "minute": 10}
